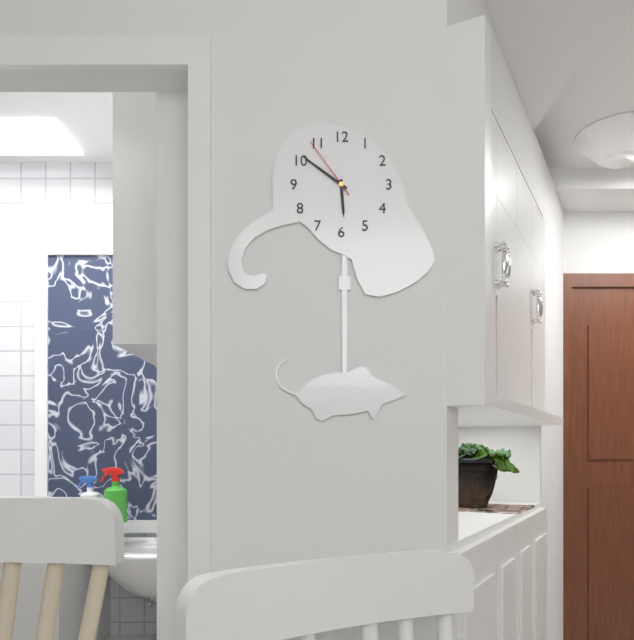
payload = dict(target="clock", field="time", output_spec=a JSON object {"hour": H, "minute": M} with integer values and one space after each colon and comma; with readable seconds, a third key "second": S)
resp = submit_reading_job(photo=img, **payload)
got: {"hour": 5, "minute": 51, "second": 54}
